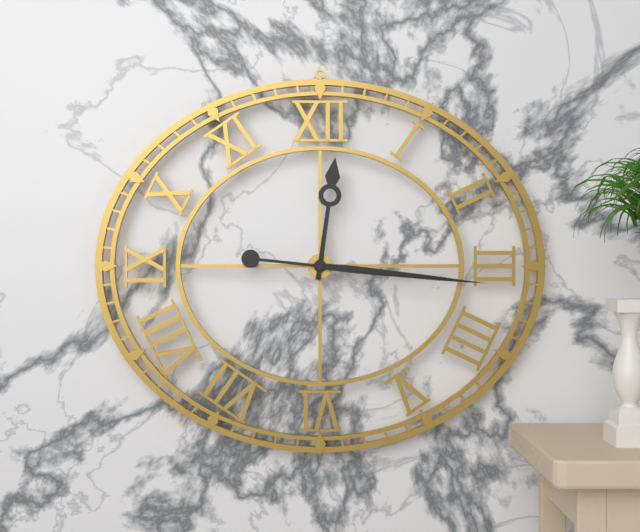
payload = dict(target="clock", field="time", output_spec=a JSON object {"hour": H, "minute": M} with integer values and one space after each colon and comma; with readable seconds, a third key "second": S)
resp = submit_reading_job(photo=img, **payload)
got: {"hour": 12, "minute": 16}
